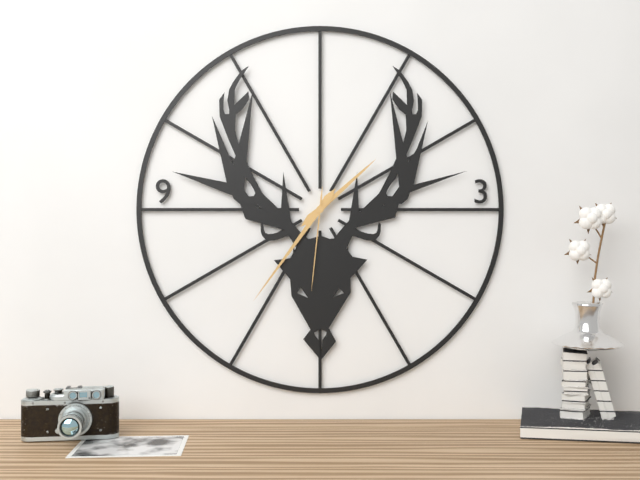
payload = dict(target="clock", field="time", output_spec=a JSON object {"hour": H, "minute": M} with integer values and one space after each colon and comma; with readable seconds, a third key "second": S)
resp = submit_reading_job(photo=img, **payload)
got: {"hour": 1, "minute": 36, "second": 31}
